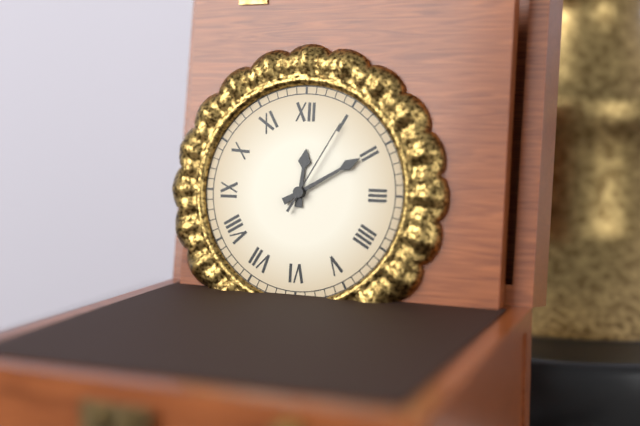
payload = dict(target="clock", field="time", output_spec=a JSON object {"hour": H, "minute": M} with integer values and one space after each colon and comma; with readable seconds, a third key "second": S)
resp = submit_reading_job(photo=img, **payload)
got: {"hour": 12, "minute": 10, "second": 5}
